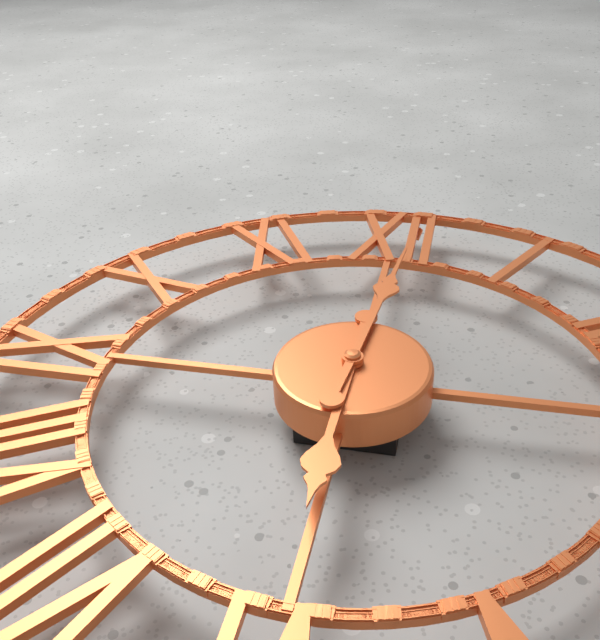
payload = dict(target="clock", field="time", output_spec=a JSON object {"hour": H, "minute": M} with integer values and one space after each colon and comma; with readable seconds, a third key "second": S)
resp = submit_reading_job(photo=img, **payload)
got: {"hour": 6, "minute": 1}
